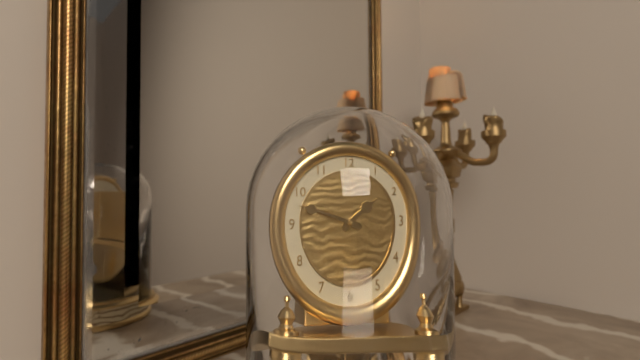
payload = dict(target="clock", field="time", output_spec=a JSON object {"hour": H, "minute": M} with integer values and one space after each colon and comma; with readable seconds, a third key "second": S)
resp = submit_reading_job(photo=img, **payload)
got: {"hour": 1, "minute": 48}
